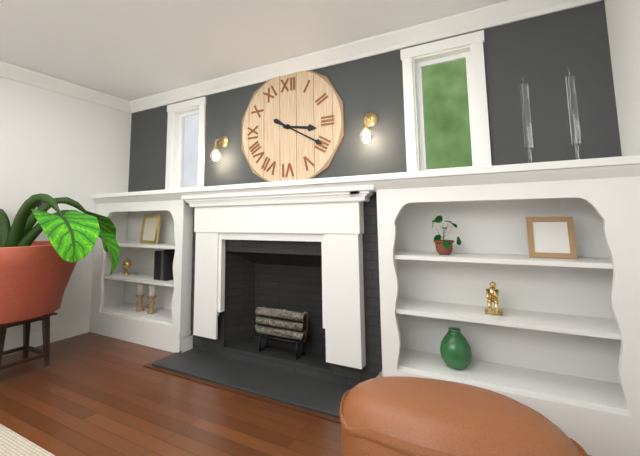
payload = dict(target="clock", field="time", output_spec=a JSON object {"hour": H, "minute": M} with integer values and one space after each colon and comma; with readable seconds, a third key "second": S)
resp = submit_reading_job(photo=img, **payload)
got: {"hour": 3, "minute": 20}
